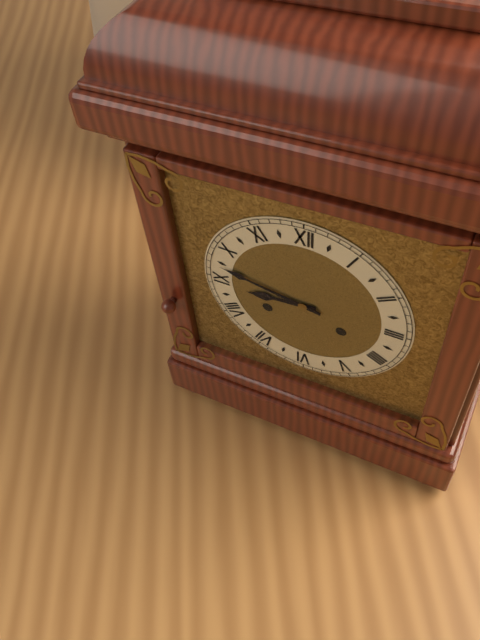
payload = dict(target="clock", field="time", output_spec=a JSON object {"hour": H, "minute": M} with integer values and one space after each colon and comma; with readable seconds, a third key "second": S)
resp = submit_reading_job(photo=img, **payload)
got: {"hour": 8, "minute": 47}
